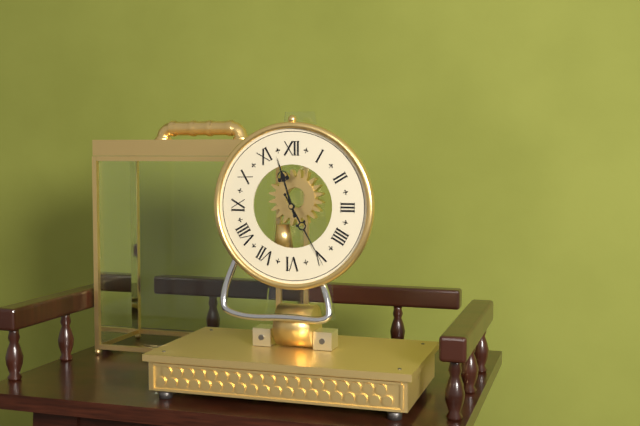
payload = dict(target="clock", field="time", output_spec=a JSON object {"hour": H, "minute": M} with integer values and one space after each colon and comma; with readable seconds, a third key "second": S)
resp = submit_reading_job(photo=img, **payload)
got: {"hour": 11, "minute": 25}
